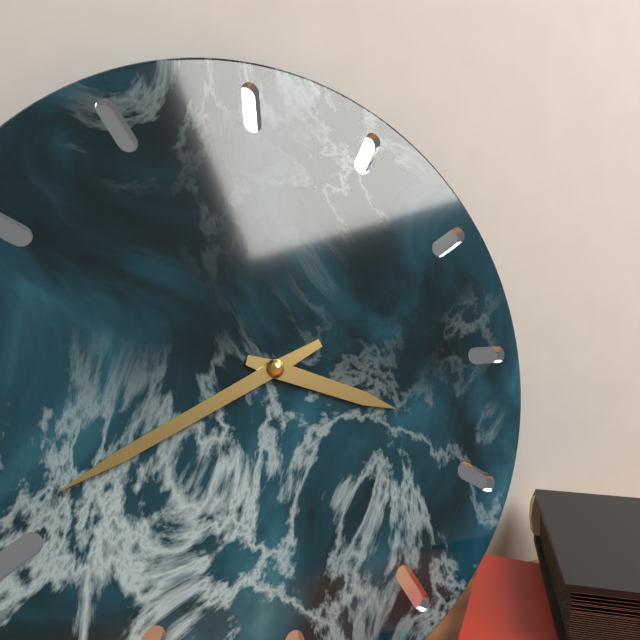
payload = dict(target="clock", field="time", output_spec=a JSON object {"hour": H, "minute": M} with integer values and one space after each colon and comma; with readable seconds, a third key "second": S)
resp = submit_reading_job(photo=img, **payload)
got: {"hour": 3, "minute": 41}
